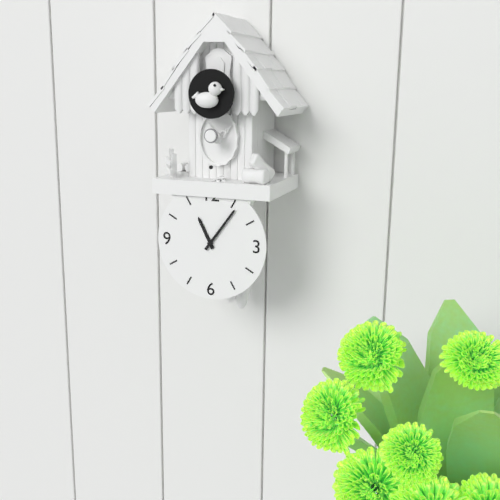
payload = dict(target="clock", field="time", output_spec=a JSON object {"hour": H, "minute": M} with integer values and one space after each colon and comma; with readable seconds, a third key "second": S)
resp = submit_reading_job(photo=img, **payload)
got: {"hour": 11, "minute": 6}
